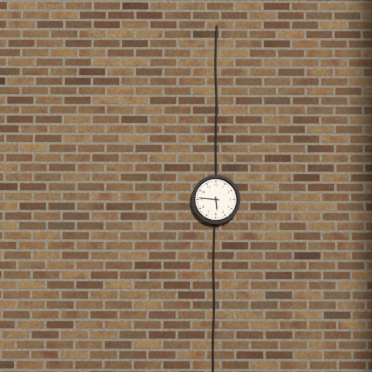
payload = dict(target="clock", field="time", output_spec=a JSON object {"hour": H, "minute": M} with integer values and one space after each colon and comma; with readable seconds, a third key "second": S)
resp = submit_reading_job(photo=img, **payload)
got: {"hour": 5, "minute": 46}
